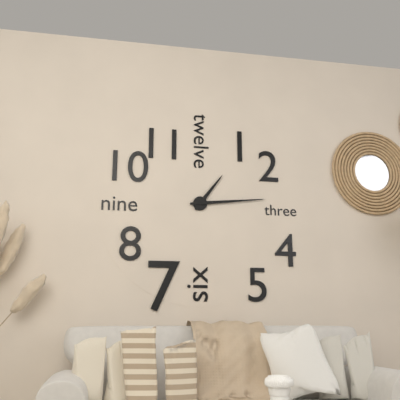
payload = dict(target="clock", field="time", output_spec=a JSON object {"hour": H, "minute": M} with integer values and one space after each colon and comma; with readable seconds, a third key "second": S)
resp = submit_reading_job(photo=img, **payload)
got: {"hour": 1, "minute": 14}
